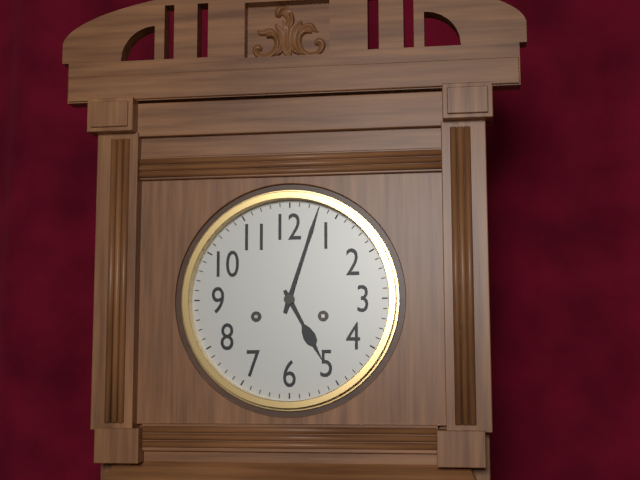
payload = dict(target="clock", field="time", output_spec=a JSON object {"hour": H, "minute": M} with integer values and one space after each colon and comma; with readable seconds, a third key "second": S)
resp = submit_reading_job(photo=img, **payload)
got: {"hour": 5, "minute": 3}
